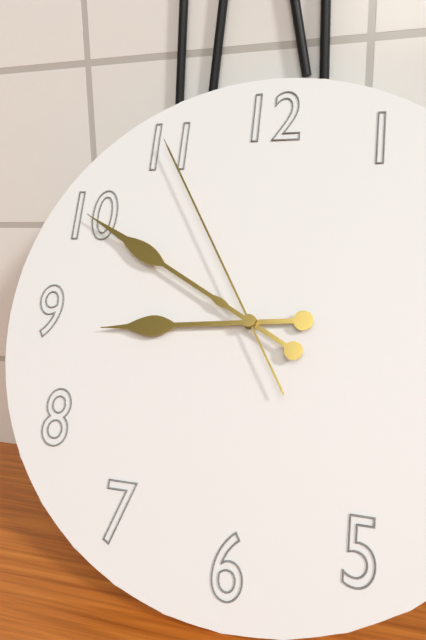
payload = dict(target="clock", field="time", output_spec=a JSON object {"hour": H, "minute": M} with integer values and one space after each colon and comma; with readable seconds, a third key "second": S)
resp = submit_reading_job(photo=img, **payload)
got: {"hour": 8, "minute": 50, "second": 55}
